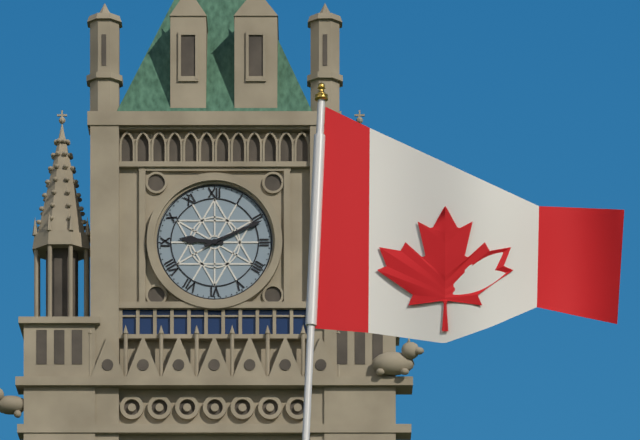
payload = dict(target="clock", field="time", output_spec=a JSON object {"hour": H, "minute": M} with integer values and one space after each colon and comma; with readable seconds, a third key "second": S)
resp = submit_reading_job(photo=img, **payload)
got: {"hour": 9, "minute": 11}
